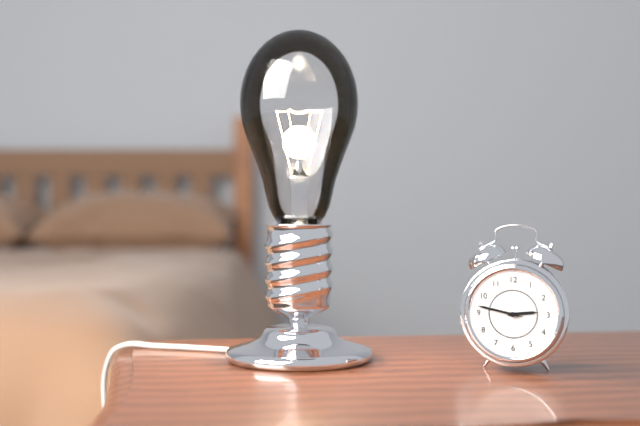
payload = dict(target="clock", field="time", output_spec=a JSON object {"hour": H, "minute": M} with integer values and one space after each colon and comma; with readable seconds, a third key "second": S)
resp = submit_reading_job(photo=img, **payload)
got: {"hour": 2, "minute": 47}
